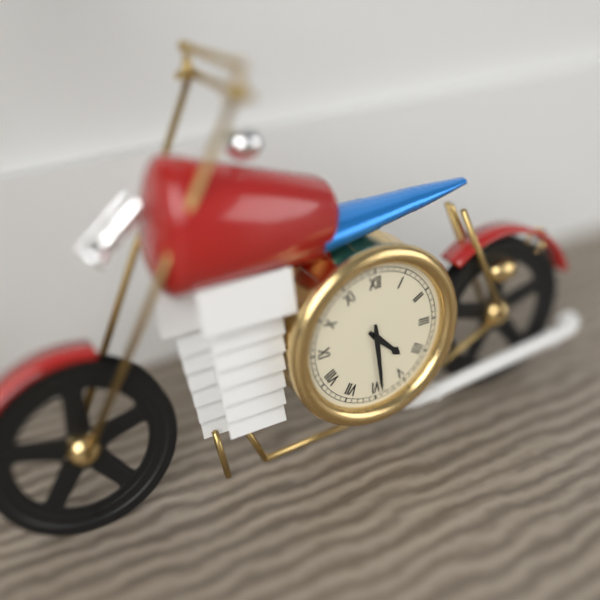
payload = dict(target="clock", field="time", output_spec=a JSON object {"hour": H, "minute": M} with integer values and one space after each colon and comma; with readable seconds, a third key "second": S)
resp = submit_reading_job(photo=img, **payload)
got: {"hour": 4, "minute": 29}
